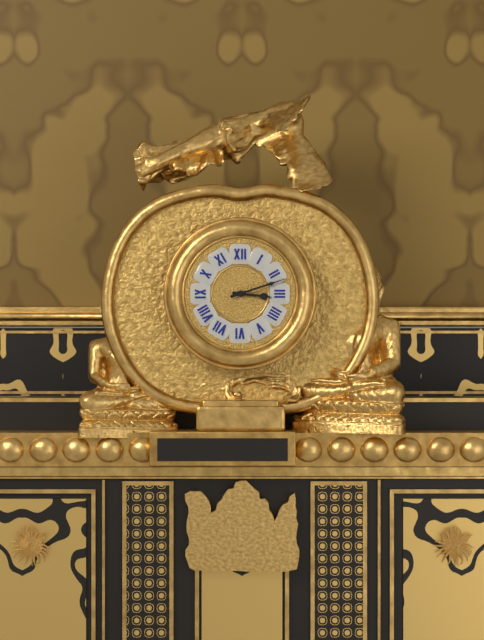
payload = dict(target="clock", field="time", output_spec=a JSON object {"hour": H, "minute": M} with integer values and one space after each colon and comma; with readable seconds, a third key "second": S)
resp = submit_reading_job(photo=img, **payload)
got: {"hour": 3, "minute": 12}
